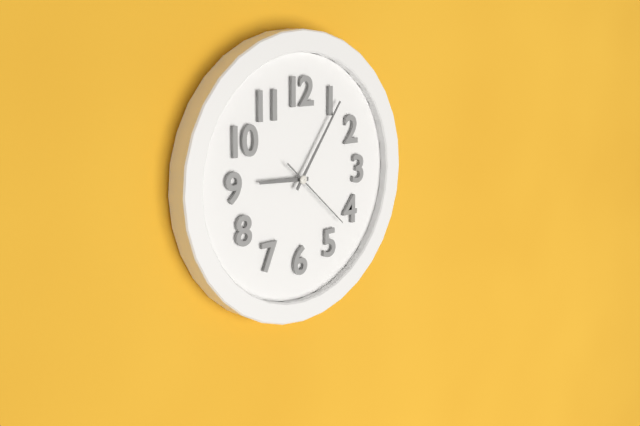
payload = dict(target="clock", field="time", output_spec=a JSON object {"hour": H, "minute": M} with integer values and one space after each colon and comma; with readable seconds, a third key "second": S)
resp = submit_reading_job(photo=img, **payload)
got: {"hour": 9, "minute": 6, "second": 22}
